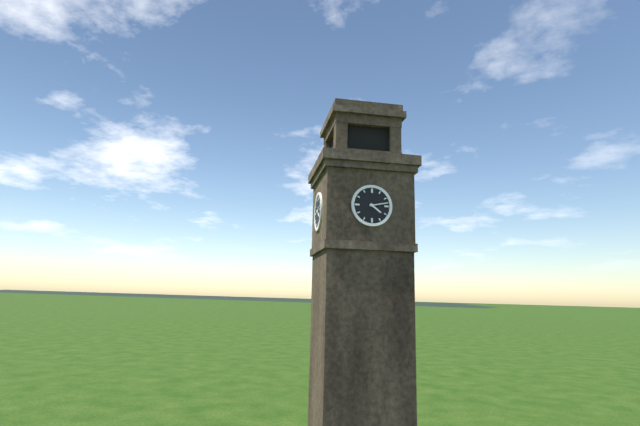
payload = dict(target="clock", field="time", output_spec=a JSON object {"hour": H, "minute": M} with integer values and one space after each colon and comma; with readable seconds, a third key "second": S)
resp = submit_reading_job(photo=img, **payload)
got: {"hour": 4, "minute": 13}
